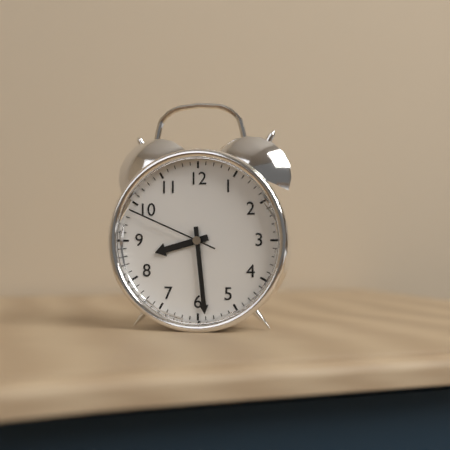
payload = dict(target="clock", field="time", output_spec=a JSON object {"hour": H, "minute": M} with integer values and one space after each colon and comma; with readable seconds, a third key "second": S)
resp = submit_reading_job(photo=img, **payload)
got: {"hour": 8, "minute": 29, "second": 49}
